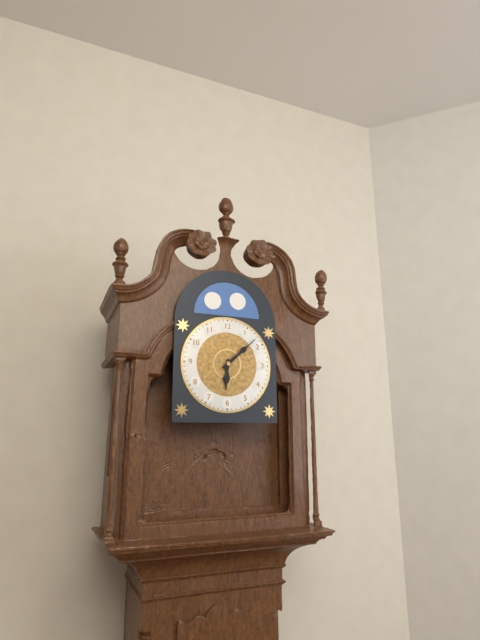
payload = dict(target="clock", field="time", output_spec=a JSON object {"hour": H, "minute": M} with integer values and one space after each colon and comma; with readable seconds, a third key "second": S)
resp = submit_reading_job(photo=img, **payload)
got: {"hour": 6, "minute": 8}
